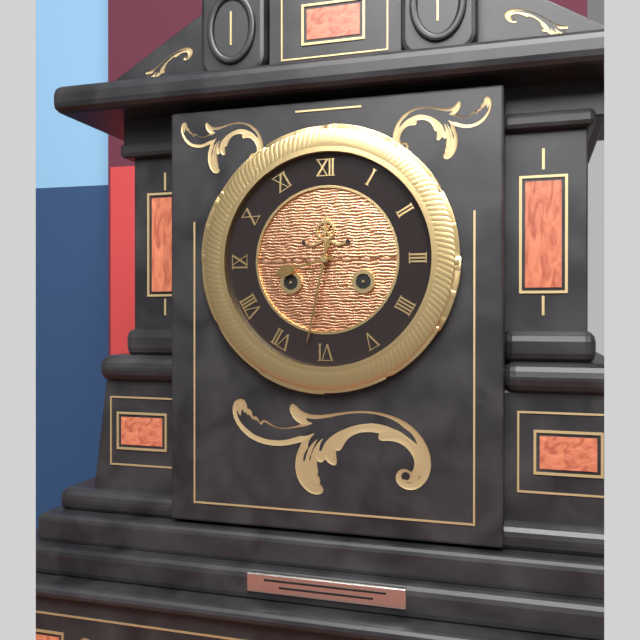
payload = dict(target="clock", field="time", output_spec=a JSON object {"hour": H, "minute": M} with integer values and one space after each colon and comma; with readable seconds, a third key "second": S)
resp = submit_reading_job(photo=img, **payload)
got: {"hour": 8, "minute": 32}
